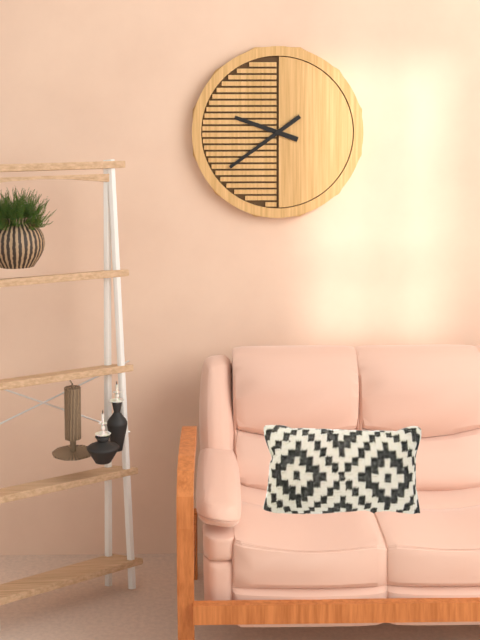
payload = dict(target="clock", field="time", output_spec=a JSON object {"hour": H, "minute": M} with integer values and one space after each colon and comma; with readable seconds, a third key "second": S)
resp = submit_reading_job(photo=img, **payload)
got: {"hour": 9, "minute": 39}
